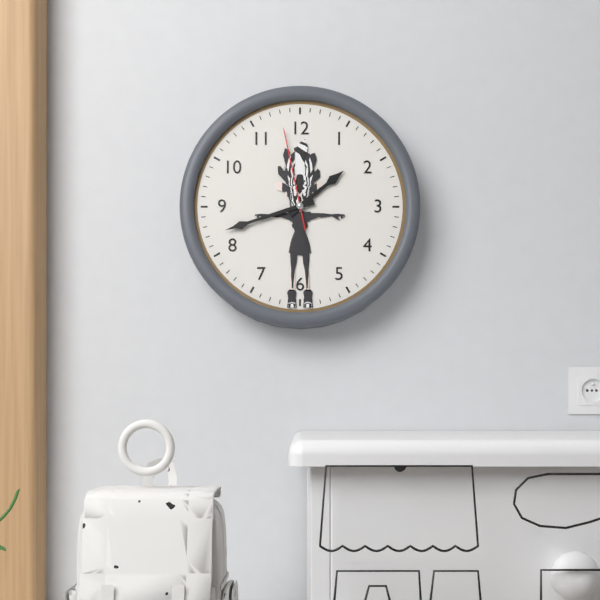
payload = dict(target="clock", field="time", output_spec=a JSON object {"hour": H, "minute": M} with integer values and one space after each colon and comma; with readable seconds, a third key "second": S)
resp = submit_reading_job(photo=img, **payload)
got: {"hour": 1, "minute": 42, "second": 58}
